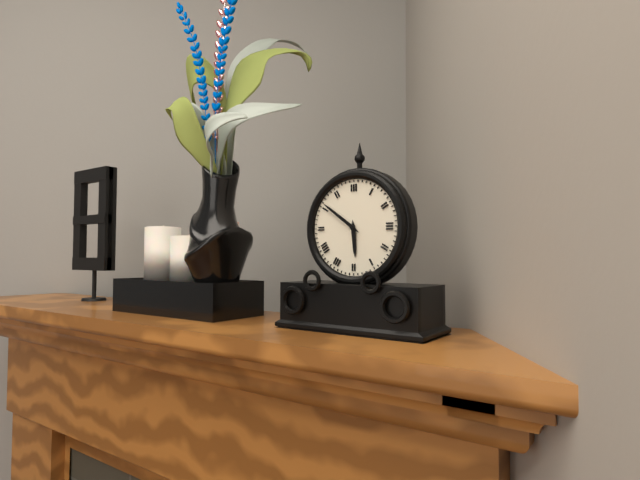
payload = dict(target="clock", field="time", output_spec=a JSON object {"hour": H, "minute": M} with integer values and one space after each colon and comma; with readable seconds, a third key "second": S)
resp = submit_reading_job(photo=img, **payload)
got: {"hour": 5, "minute": 51}
